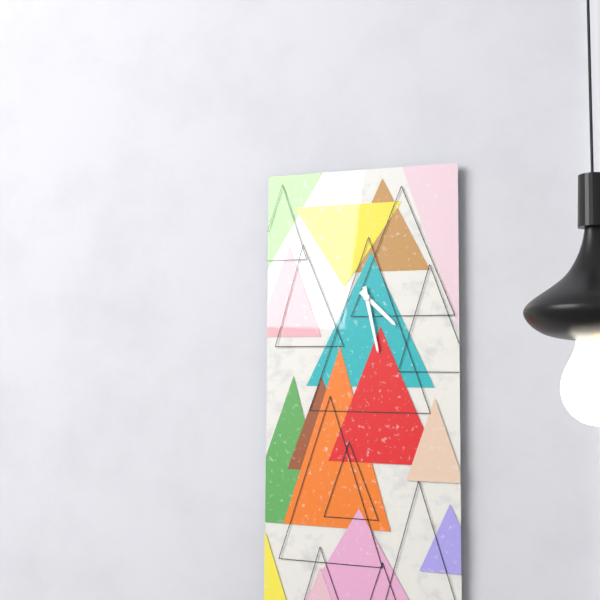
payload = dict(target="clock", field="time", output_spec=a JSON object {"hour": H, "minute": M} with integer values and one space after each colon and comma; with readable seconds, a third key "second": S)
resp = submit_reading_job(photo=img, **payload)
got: {"hour": 4, "minute": 28}
